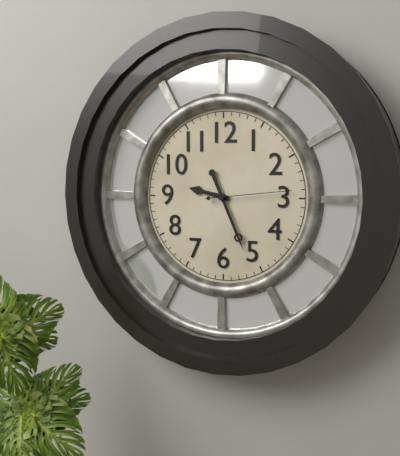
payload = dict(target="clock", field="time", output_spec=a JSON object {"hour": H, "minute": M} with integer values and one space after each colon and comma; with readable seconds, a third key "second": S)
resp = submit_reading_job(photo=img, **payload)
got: {"hour": 9, "minute": 26, "second": 14}
